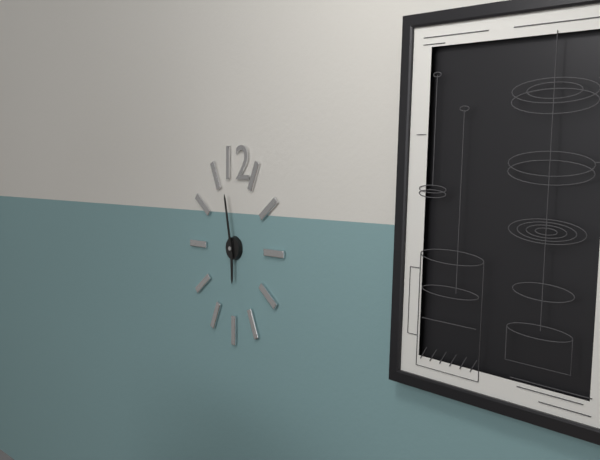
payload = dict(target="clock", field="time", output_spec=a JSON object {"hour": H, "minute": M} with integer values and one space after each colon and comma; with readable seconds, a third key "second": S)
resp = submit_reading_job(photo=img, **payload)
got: {"hour": 5, "minute": 58}
